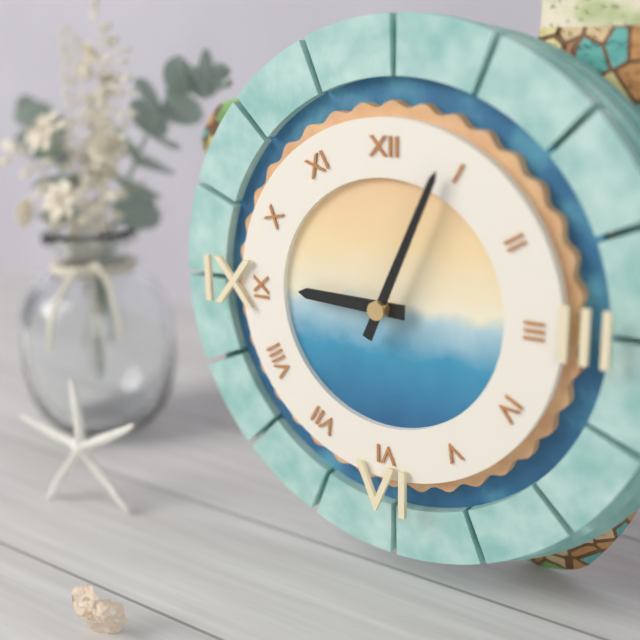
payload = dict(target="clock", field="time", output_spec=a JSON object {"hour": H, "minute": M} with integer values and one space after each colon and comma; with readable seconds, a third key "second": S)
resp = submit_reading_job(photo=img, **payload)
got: {"hour": 9, "minute": 4}
